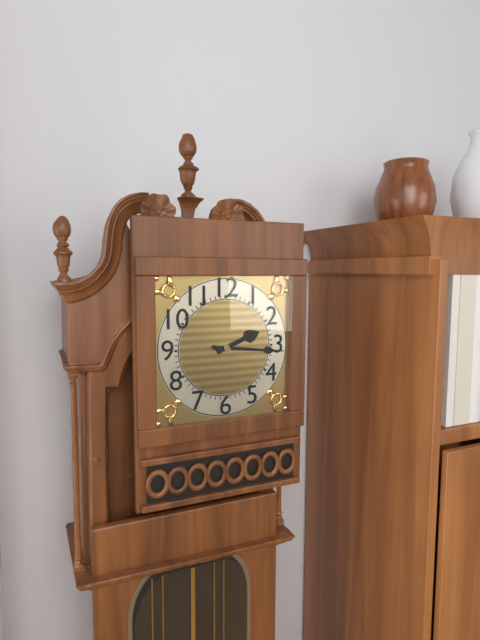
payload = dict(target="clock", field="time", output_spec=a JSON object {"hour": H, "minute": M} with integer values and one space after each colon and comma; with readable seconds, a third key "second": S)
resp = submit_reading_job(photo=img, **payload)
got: {"hour": 2, "minute": 16}
